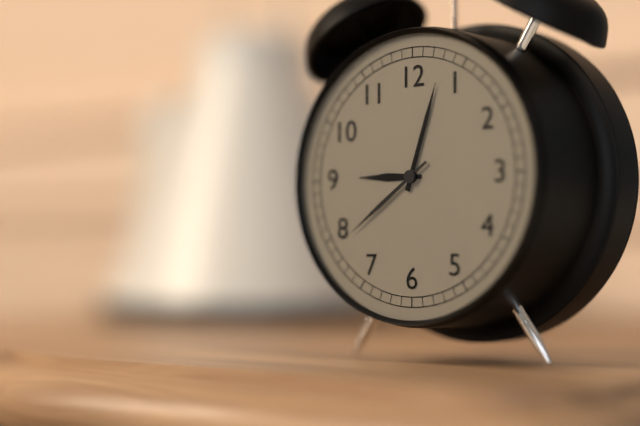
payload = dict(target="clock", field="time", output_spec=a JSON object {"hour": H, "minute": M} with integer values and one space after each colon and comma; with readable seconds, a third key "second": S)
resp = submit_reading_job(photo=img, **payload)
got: {"hour": 9, "minute": 3, "second": 39}
